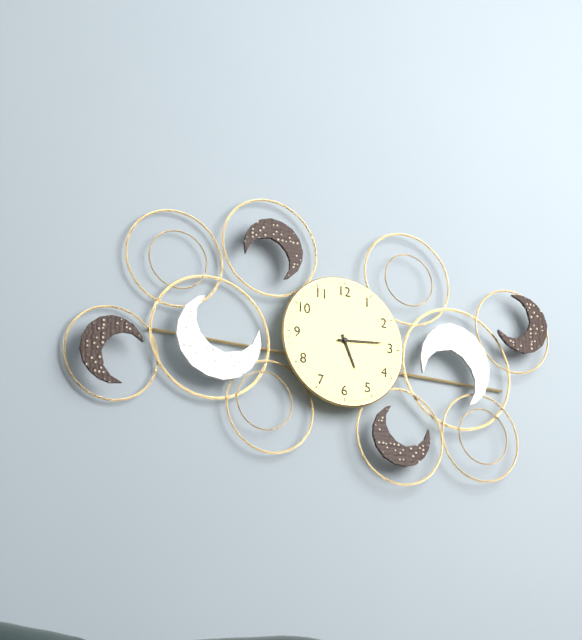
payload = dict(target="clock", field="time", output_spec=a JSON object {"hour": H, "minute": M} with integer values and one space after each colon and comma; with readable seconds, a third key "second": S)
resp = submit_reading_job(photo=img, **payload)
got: {"hour": 5, "minute": 14}
